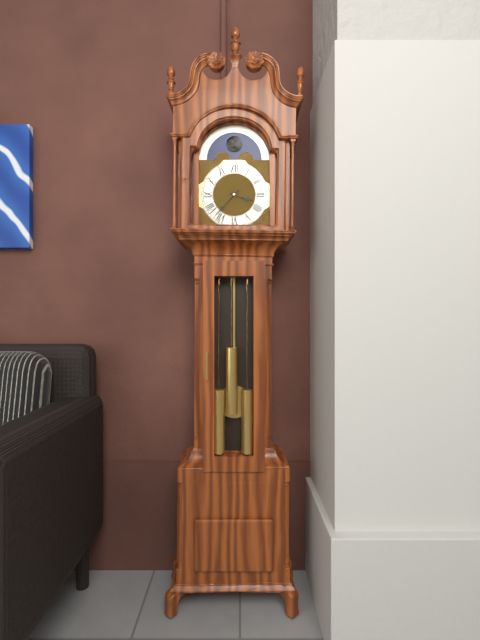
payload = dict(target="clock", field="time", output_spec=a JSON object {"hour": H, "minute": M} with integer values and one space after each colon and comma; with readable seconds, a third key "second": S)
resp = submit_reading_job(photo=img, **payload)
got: {"hour": 3, "minute": 37}
